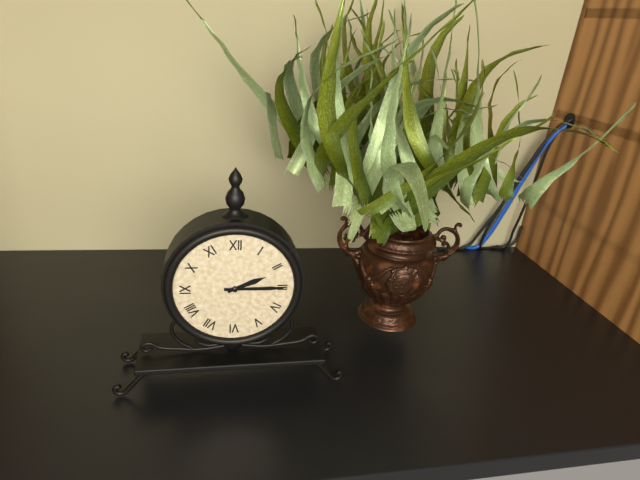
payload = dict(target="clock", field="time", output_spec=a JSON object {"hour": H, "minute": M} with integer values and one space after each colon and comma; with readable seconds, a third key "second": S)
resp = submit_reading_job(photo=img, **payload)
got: {"hour": 2, "minute": 15}
